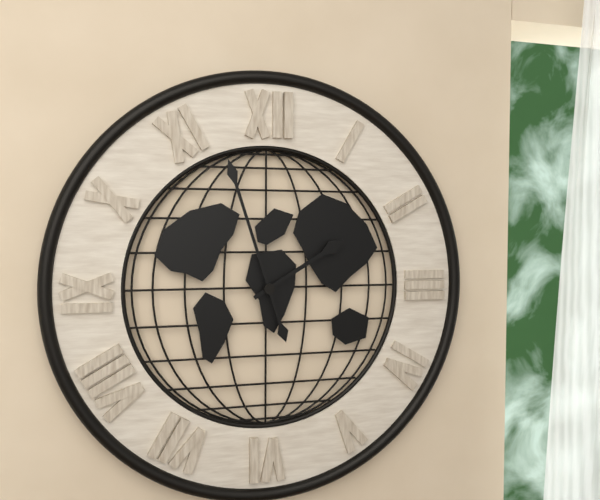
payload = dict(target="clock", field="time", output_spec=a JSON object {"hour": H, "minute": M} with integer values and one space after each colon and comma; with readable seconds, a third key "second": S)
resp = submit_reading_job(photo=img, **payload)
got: {"hour": 1, "minute": 57}
